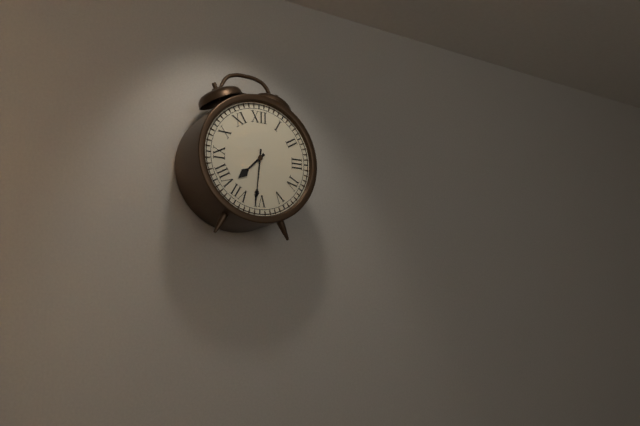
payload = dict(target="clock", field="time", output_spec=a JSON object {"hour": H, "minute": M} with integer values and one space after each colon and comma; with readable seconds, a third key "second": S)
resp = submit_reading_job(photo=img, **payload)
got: {"hour": 7, "minute": 31}
